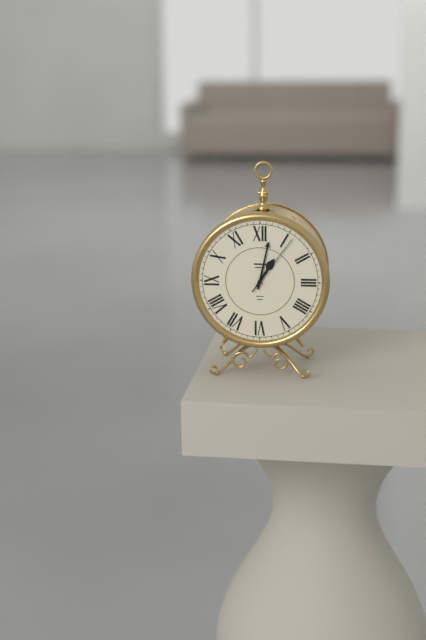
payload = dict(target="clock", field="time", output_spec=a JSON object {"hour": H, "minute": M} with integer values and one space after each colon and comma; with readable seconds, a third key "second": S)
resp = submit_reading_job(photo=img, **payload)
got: {"hour": 1, "minute": 2, "second": 6}
